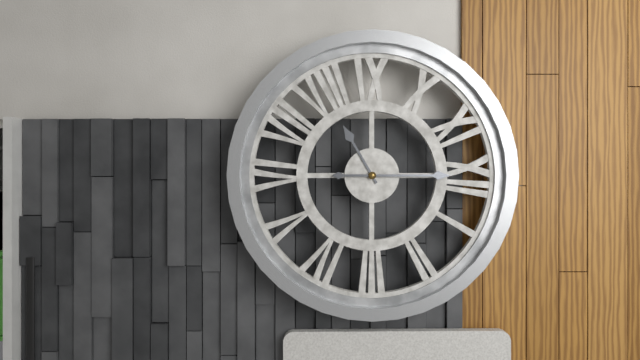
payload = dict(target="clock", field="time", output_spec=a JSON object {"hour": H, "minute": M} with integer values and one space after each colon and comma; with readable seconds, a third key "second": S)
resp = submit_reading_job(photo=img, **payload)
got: {"hour": 8, "minute": 0}
